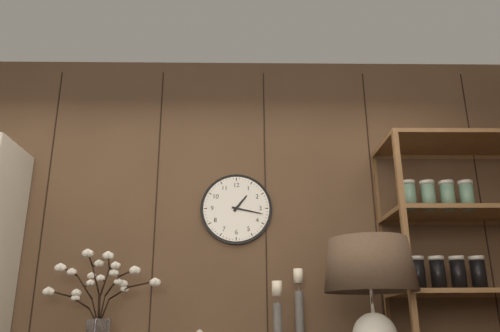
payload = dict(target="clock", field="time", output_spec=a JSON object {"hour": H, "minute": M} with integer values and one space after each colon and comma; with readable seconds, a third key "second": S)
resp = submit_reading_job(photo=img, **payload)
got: {"hour": 1, "minute": 17}
